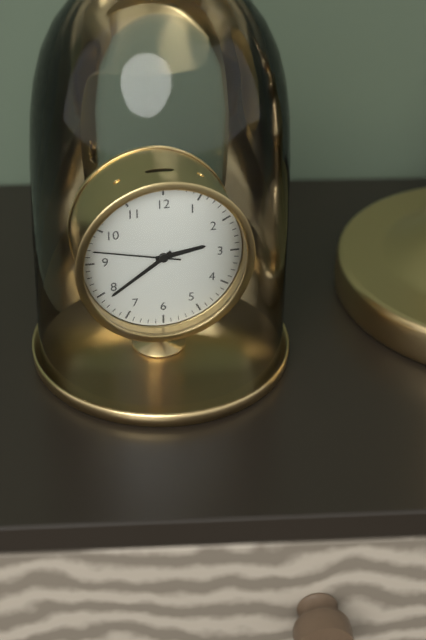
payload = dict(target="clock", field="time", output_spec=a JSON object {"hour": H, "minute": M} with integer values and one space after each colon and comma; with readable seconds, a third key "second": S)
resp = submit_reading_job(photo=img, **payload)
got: {"hour": 2, "minute": 39, "second": 47}
